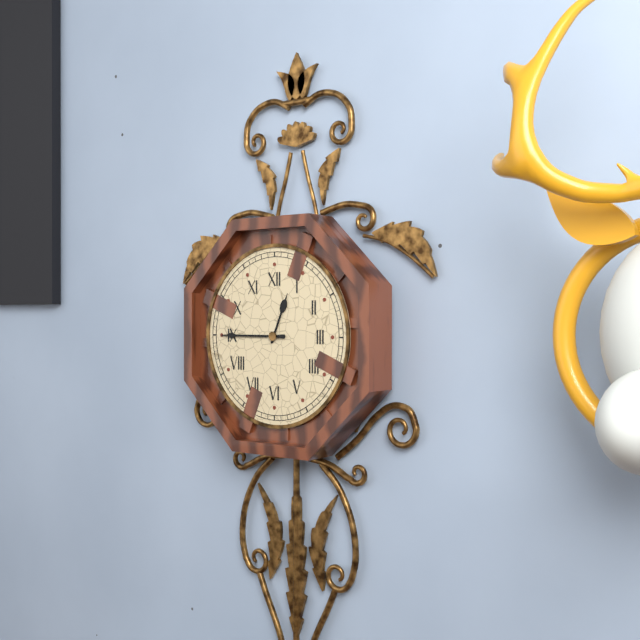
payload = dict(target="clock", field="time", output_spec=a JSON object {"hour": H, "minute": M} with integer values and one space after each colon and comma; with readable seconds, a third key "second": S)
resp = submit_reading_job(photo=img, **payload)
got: {"hour": 12, "minute": 45}
